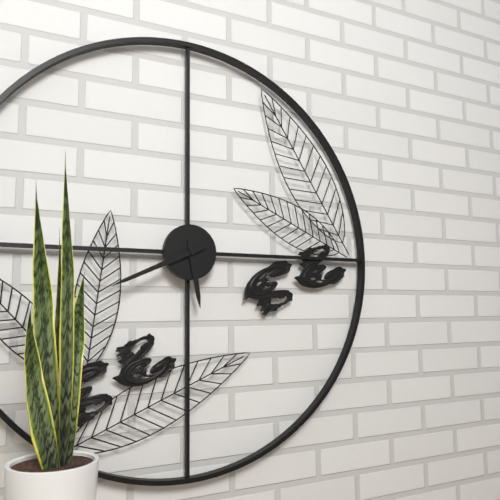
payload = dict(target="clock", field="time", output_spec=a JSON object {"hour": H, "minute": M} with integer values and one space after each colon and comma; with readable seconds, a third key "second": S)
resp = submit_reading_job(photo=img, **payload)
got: {"hour": 5, "minute": 41}
